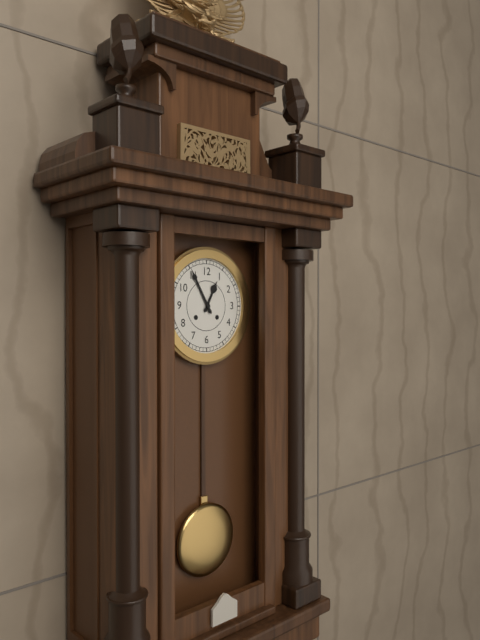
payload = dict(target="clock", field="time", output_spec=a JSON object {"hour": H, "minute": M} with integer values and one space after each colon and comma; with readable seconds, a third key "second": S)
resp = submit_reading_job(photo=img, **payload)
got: {"hour": 12, "minute": 55}
